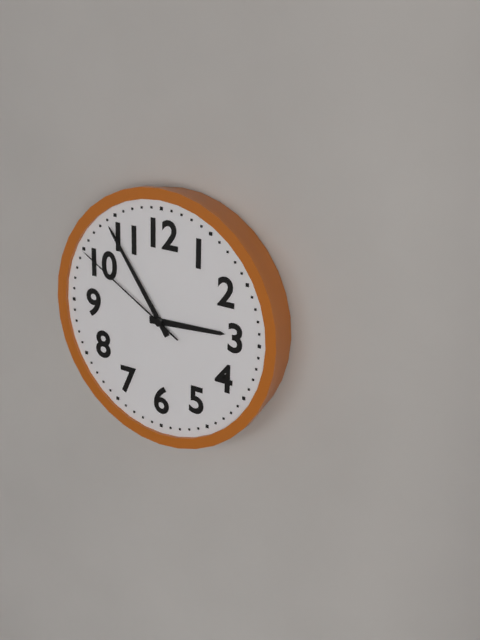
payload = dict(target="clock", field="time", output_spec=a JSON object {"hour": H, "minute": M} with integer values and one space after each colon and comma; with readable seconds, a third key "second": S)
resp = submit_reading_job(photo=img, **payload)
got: {"hour": 2, "minute": 54, "second": 50}
